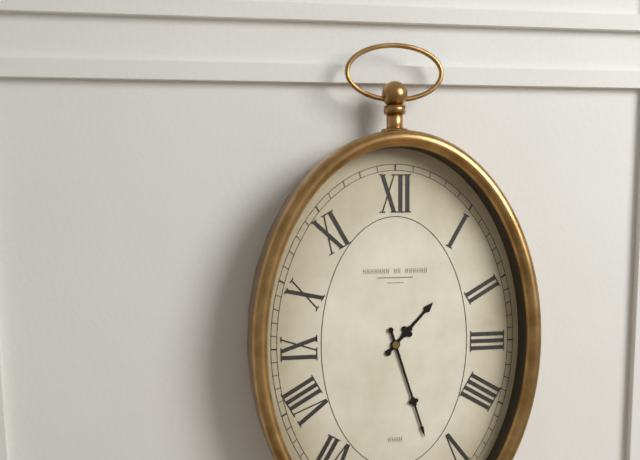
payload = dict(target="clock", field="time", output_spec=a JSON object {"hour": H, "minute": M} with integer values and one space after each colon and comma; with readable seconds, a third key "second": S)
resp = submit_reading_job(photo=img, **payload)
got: {"hour": 1, "minute": 27}
